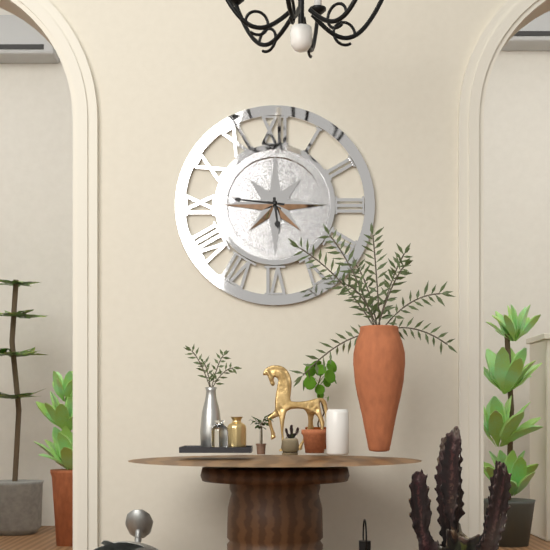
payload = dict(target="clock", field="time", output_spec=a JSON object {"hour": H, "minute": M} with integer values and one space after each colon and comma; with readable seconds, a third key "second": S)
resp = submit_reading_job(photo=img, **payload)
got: {"hour": 5, "minute": 46}
